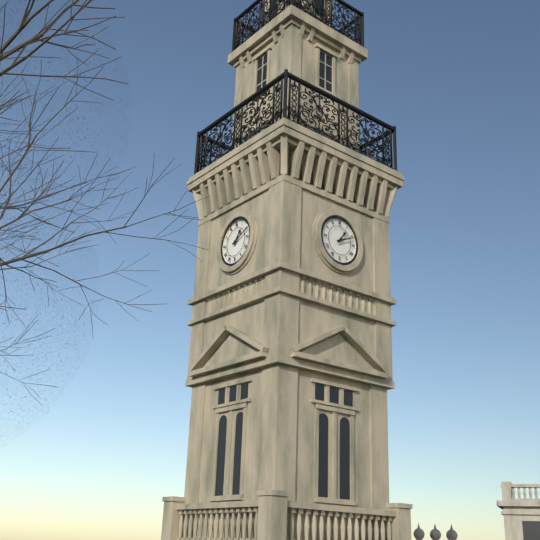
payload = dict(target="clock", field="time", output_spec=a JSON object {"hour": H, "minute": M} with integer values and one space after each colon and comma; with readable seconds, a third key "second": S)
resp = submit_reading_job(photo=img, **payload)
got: {"hour": 1, "minute": 11}
